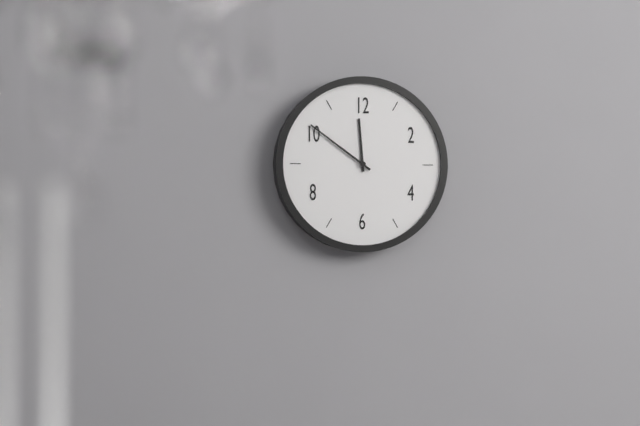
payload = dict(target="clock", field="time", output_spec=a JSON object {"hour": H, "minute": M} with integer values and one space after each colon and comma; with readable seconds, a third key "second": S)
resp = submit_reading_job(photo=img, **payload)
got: {"hour": 11, "minute": 51}
